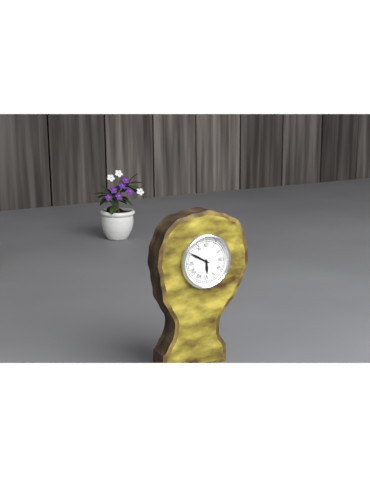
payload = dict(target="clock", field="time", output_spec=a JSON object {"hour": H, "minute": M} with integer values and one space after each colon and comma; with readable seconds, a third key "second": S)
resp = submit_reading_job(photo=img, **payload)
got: {"hour": 5, "minute": 50}
